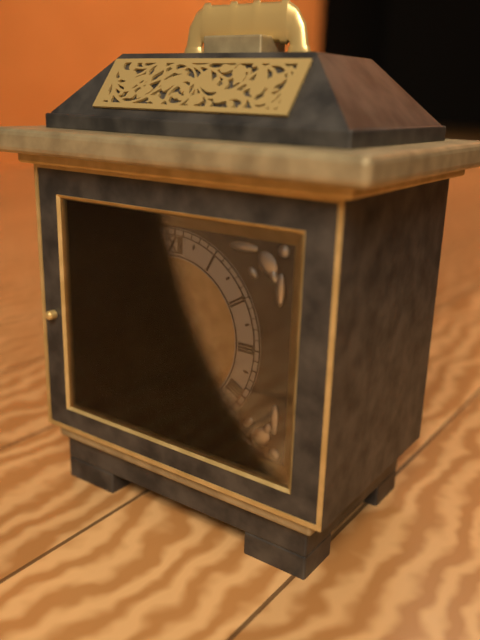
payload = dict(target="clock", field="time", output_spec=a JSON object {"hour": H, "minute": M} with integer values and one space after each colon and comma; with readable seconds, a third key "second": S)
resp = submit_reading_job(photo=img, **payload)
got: {"hour": 9, "minute": 59}
